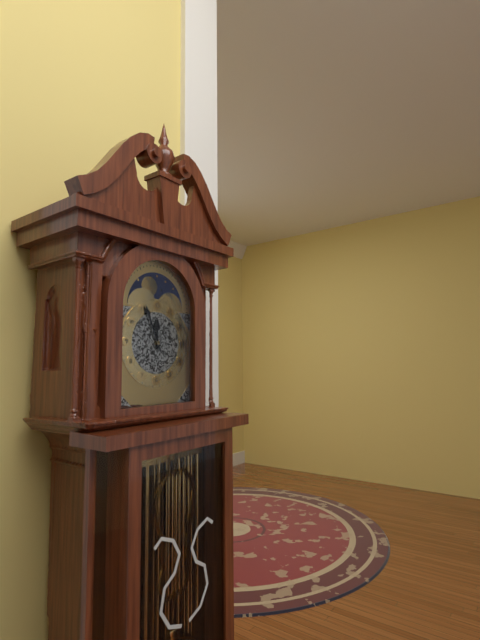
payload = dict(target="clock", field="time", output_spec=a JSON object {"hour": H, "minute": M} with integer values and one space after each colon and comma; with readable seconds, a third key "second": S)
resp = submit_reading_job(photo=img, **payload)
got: {"hour": 11, "minute": 56}
